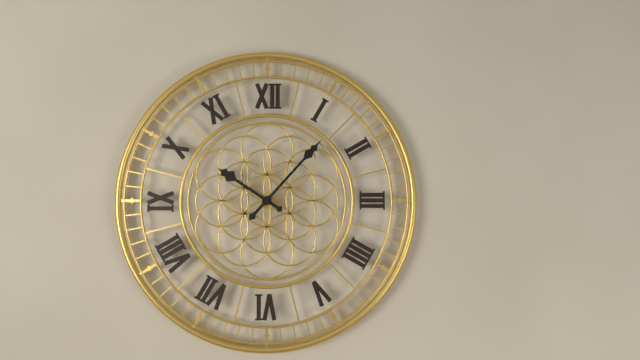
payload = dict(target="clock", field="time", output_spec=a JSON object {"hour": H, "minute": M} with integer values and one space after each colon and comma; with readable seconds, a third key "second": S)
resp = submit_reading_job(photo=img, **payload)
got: {"hour": 10, "minute": 7}
